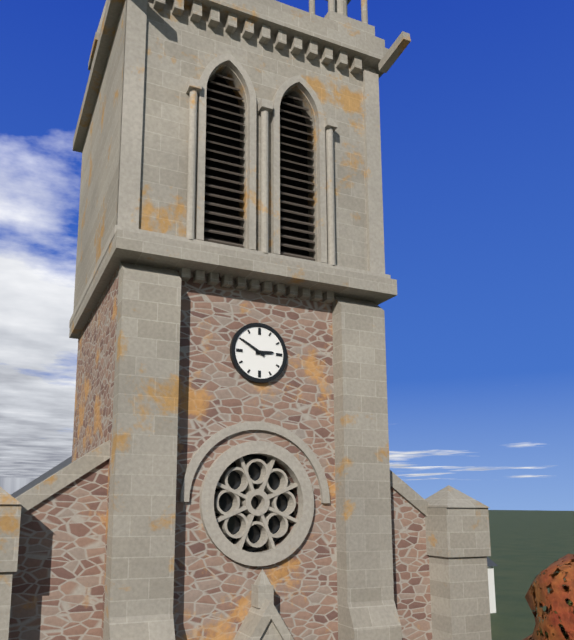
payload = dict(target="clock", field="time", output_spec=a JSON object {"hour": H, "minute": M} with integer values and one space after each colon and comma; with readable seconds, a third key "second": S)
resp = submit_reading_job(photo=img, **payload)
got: {"hour": 2, "minute": 50}
